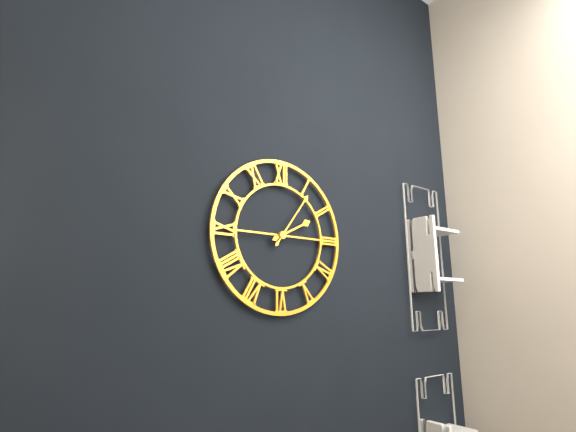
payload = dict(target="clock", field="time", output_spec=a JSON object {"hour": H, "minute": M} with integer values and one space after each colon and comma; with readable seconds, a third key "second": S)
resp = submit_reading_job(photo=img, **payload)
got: {"hour": 2, "minute": 6}
